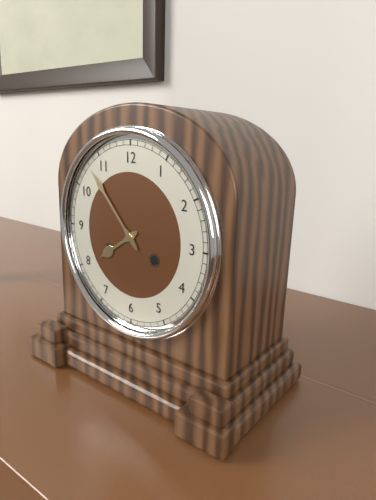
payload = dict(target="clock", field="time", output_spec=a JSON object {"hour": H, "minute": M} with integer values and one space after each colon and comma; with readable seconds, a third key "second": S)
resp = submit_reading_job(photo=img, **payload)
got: {"hour": 7, "minute": 53}
